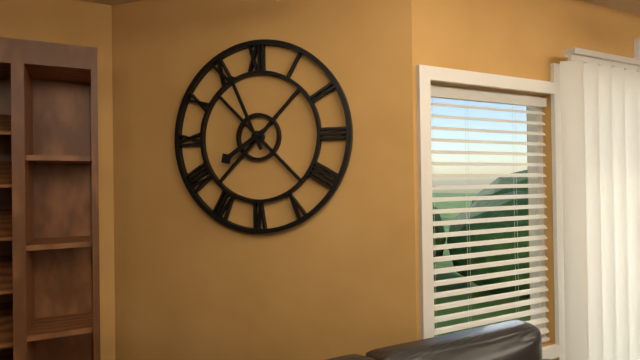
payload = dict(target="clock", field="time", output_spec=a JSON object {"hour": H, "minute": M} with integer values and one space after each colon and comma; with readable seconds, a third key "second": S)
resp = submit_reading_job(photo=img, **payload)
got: {"hour": 7, "minute": 56}
